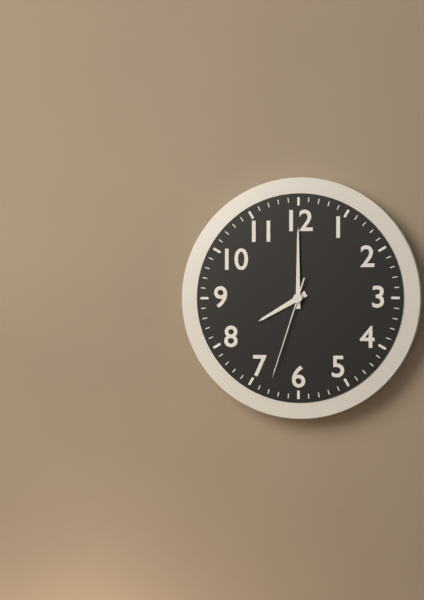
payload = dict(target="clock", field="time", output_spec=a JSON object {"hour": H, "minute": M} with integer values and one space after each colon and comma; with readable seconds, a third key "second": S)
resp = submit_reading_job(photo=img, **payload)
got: {"hour": 8, "minute": 0, "second": 33}
